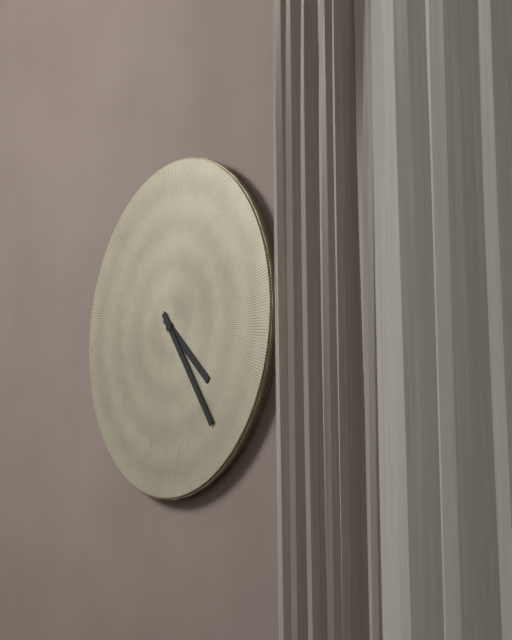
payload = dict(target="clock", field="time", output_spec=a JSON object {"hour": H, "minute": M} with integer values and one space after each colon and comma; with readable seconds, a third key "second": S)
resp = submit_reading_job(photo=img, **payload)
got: {"hour": 4, "minute": 24}
